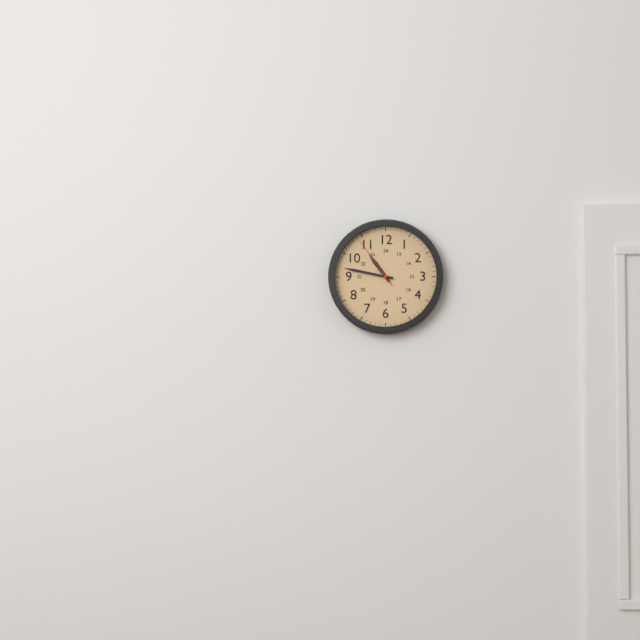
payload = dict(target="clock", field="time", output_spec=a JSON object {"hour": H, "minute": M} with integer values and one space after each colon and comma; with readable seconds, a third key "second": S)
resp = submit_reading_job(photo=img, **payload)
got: {"hour": 10, "minute": 47, "second": 54}
